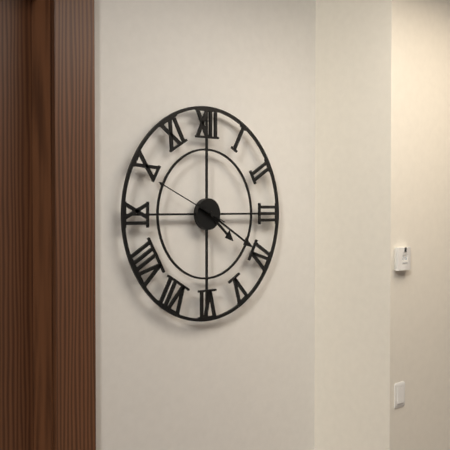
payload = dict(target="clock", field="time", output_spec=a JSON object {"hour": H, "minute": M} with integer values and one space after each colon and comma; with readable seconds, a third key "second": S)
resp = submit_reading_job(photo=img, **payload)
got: {"hour": 4, "minute": 20, "second": 49}
